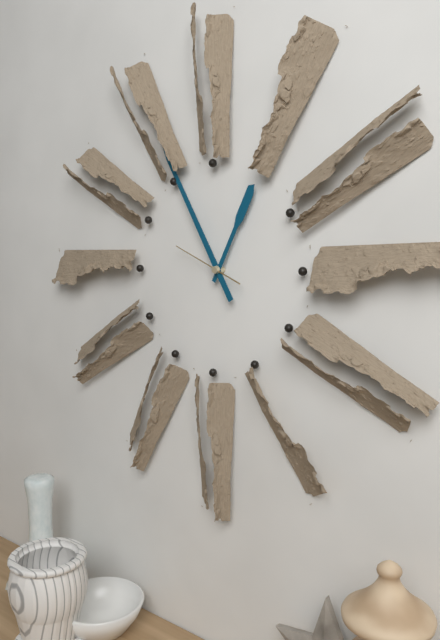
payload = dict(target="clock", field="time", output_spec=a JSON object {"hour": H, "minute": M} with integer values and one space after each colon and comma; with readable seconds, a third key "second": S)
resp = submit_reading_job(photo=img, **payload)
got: {"hour": 12, "minute": 55, "second": 49}
